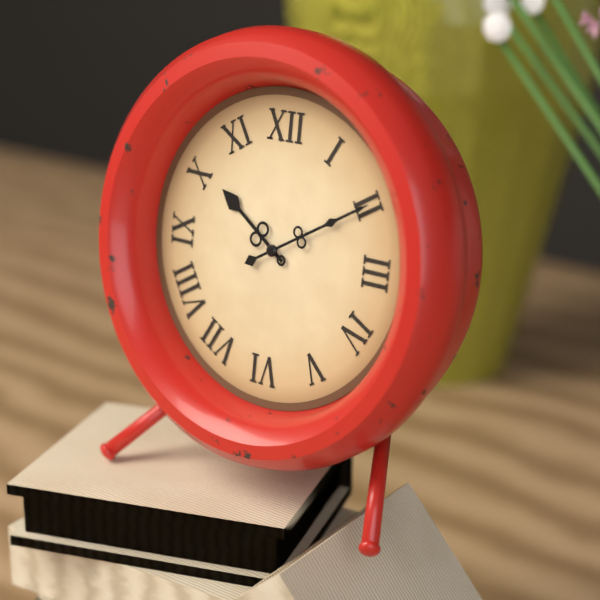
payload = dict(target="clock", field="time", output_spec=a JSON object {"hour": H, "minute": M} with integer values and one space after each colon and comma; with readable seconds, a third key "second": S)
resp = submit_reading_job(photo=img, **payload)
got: {"hour": 10, "minute": 10}
